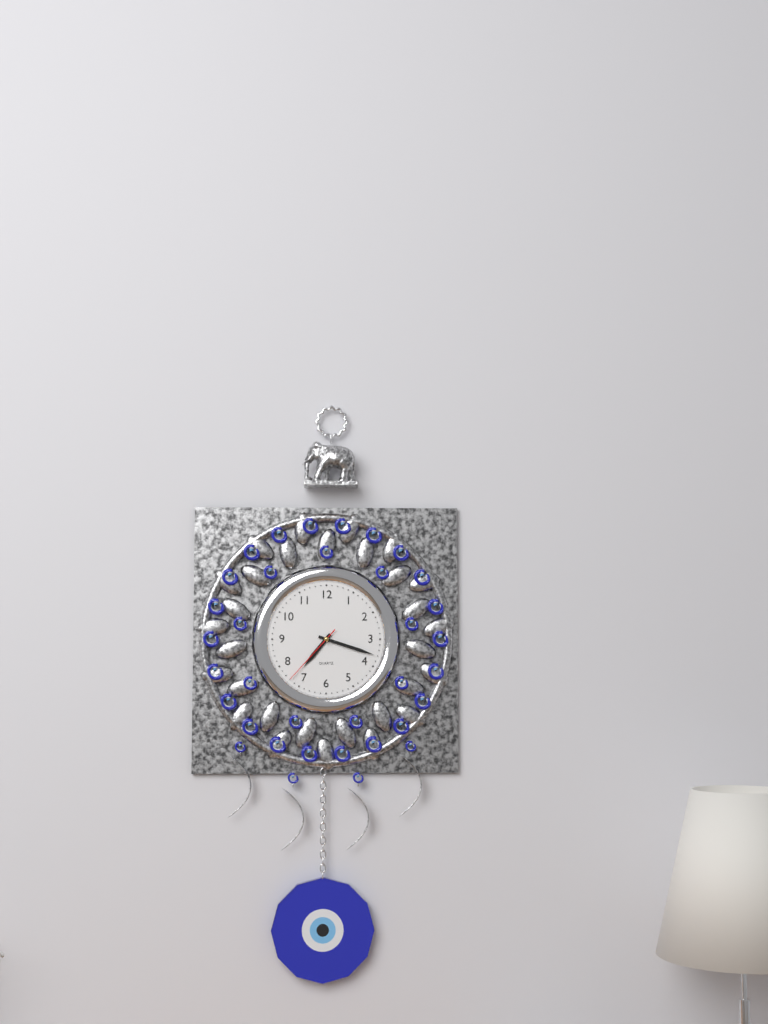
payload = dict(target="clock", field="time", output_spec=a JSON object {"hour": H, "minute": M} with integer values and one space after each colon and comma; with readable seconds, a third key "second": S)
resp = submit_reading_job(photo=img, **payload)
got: {"hour": 7, "minute": 18, "second": 37}
